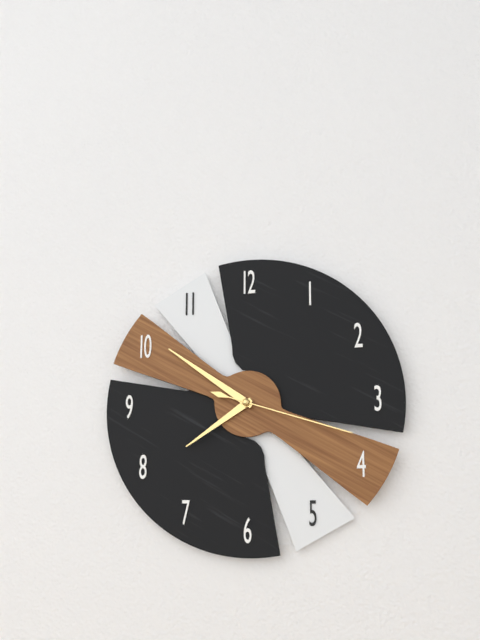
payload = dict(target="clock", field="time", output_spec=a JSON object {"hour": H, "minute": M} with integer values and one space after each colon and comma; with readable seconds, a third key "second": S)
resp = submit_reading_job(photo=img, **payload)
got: {"hour": 7, "minute": 51, "second": 18}
